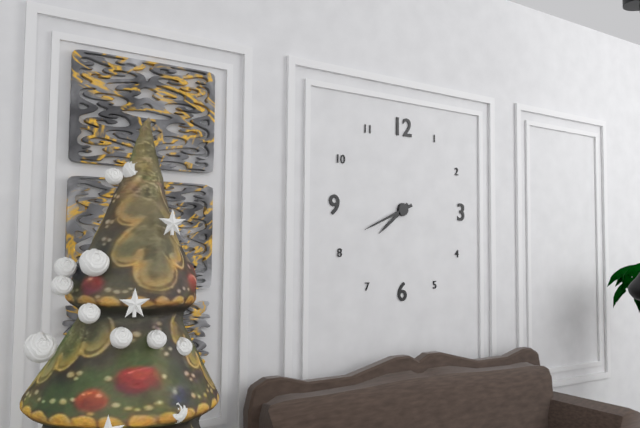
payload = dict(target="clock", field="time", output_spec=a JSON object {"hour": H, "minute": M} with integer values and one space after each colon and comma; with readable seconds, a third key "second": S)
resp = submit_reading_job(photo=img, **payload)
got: {"hour": 7, "minute": 41}
